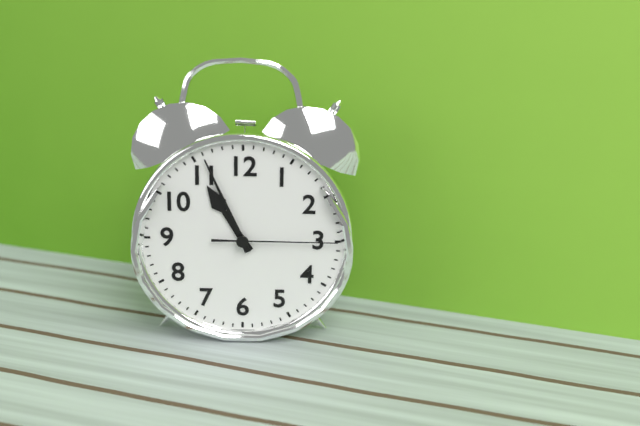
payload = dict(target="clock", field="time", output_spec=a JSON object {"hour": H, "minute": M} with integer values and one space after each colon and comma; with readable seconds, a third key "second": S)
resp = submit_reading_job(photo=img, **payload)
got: {"hour": 10, "minute": 56, "second": 15}
